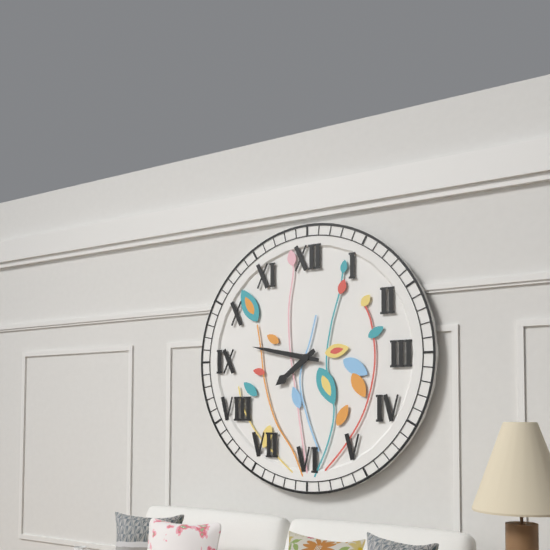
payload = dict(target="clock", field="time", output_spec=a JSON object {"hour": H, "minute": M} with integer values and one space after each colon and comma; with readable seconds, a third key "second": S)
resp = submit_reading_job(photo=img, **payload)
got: {"hour": 7, "minute": 47}
